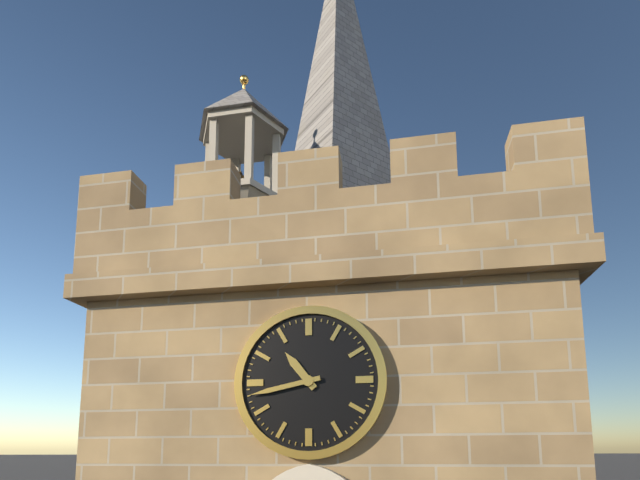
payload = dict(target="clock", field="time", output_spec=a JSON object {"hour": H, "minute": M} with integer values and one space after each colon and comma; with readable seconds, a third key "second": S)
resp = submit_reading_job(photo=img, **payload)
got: {"hour": 10, "minute": 43}
